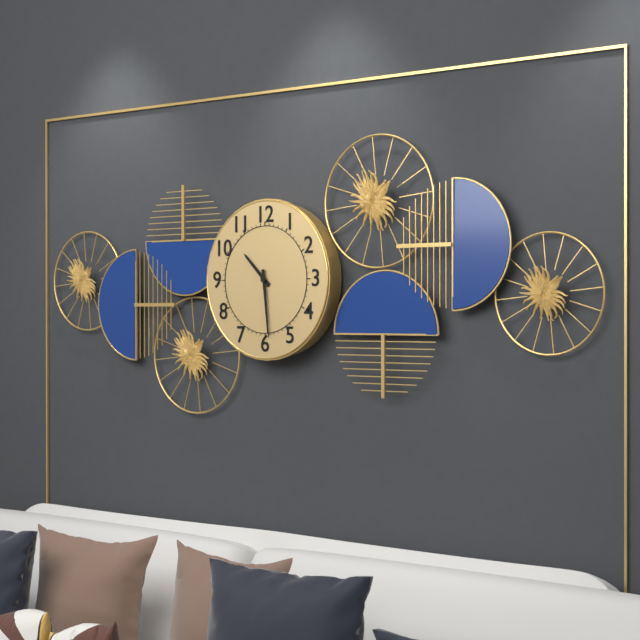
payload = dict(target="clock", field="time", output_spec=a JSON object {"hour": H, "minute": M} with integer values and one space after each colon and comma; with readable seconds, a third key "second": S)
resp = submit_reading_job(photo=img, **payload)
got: {"hour": 10, "minute": 29}
